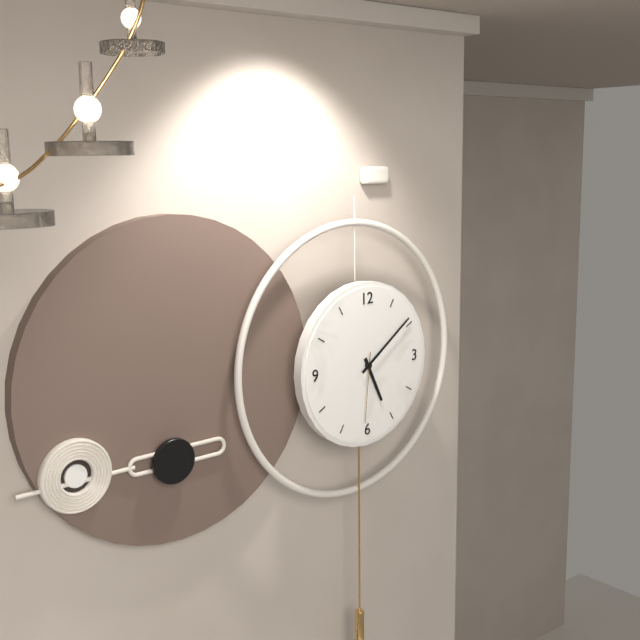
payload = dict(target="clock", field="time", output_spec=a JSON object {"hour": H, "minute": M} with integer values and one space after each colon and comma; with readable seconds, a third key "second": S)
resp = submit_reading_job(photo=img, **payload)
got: {"hour": 5, "minute": 9, "second": 31}
